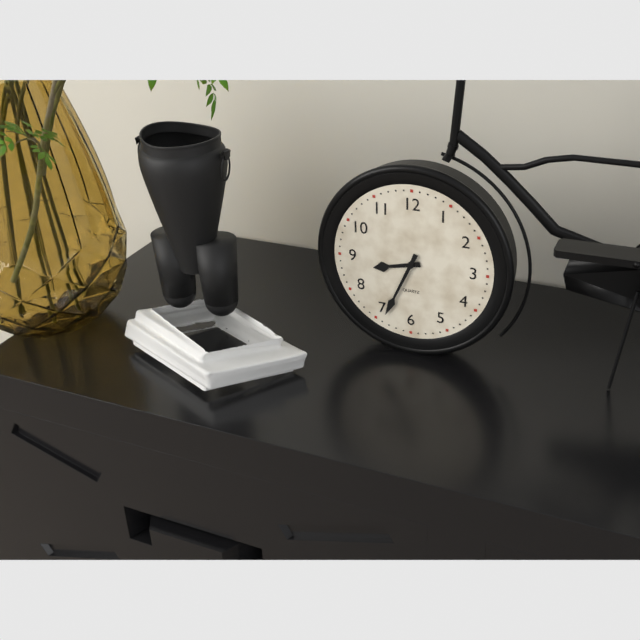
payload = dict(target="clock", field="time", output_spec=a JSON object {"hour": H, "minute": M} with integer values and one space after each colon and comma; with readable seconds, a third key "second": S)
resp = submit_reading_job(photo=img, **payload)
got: {"hour": 8, "minute": 34}
